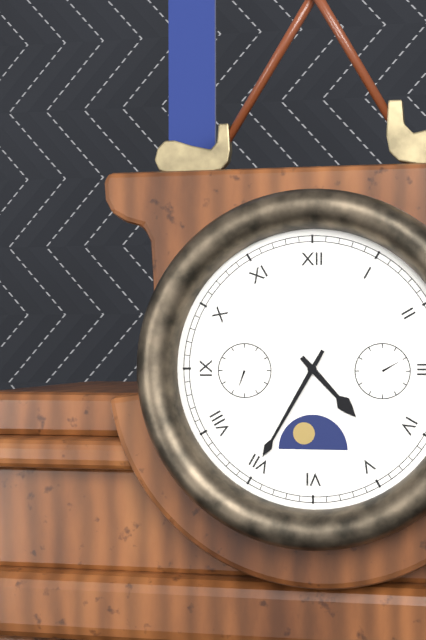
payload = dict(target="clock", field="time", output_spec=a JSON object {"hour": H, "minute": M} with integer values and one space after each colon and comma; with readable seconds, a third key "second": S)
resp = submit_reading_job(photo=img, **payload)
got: {"hour": 4, "minute": 35}
